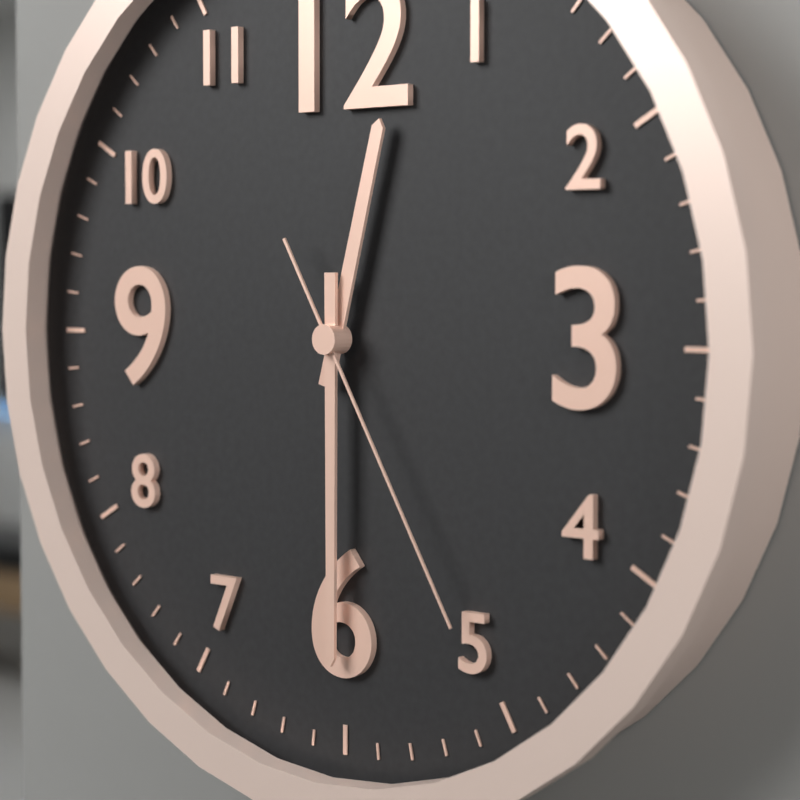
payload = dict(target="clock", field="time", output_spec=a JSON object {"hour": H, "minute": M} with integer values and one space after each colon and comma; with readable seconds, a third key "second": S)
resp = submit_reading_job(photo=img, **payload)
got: {"hour": 12, "minute": 30, "second": 25}
